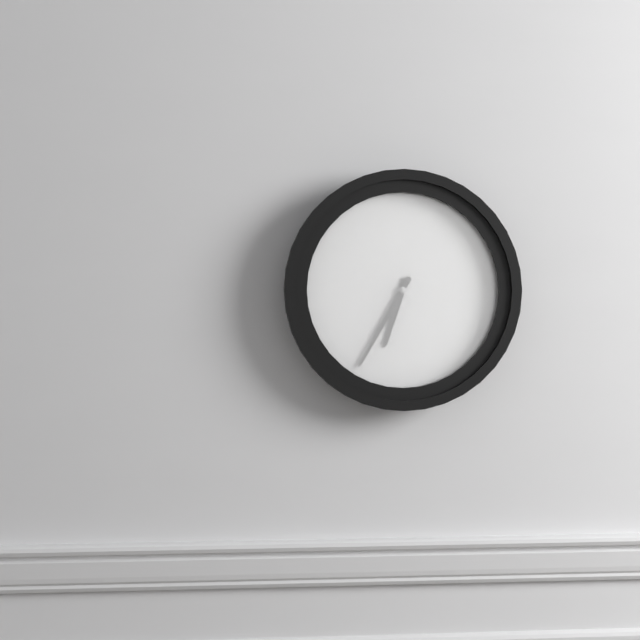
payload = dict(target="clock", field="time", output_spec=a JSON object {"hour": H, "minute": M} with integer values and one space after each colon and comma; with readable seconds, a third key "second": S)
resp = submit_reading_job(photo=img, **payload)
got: {"hour": 6, "minute": 35}
